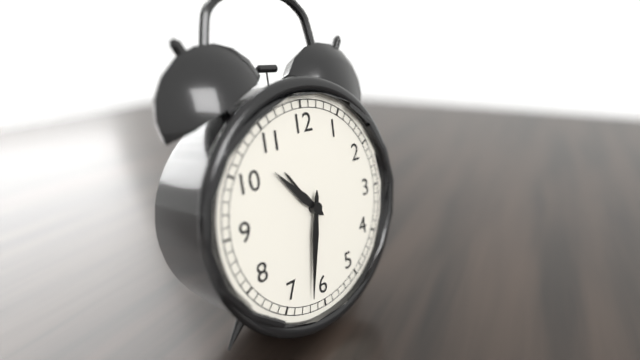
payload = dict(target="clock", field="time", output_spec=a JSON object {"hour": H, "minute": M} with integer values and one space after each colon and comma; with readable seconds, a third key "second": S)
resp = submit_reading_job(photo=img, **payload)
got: {"hour": 10, "minute": 32}
